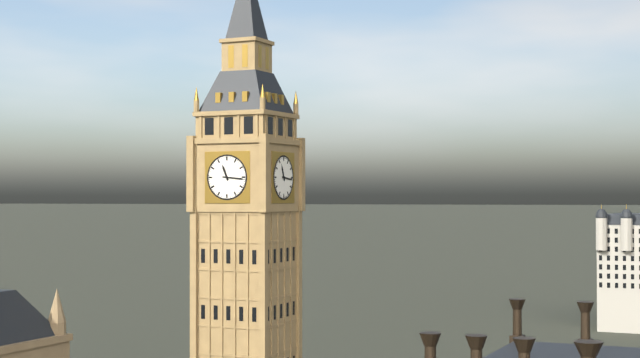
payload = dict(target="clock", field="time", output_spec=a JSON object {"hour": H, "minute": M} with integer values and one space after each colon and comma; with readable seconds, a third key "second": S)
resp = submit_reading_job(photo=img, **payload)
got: {"hour": 11, "minute": 16}
